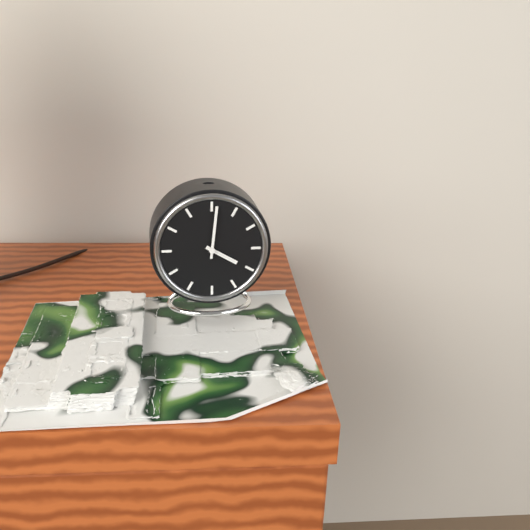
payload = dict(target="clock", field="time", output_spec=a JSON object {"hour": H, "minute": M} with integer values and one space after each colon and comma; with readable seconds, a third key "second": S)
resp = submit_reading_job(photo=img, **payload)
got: {"hour": 4, "minute": 1}
